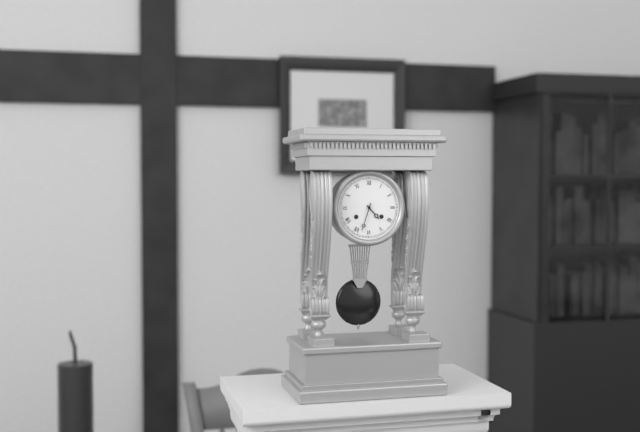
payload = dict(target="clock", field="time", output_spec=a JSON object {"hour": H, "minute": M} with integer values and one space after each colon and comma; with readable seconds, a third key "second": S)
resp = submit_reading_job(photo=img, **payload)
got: {"hour": 4, "minute": 33}
